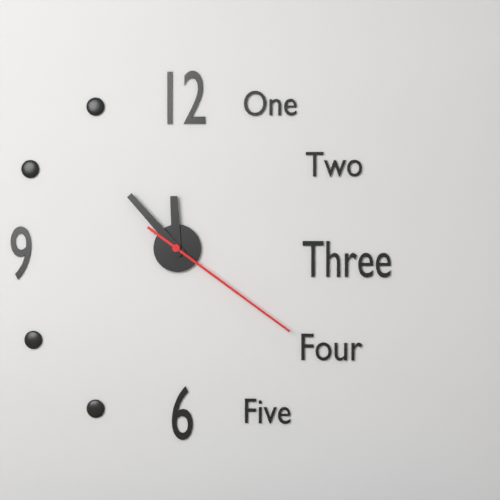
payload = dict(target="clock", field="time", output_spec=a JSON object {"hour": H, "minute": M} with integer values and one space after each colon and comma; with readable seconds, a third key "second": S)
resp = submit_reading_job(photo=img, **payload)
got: {"hour": 11, "minute": 53, "second": 21}
